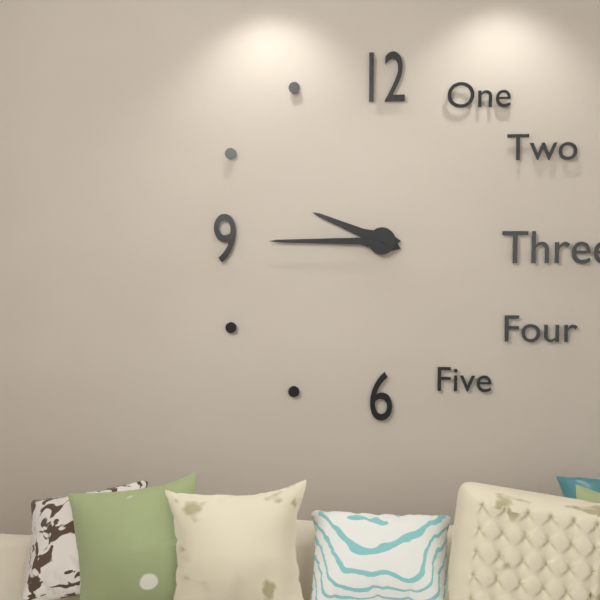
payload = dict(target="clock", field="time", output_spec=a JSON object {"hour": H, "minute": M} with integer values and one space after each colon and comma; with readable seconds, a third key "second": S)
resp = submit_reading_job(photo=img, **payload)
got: {"hour": 9, "minute": 45}
